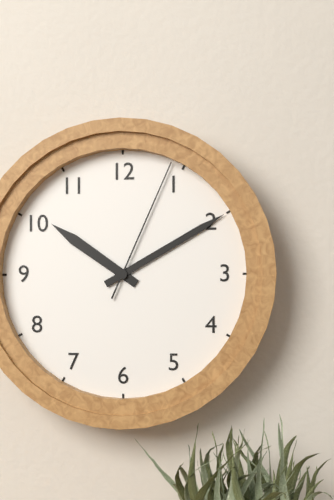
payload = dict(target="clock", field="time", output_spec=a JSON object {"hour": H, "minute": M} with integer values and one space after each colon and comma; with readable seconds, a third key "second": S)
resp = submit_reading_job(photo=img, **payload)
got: {"hour": 10, "minute": 10, "second": 4}
